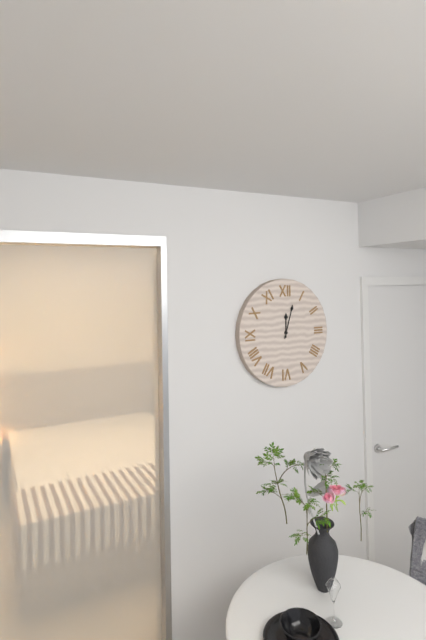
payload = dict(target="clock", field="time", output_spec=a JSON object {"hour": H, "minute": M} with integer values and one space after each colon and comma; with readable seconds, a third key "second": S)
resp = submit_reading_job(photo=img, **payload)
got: {"hour": 12, "minute": 3}
